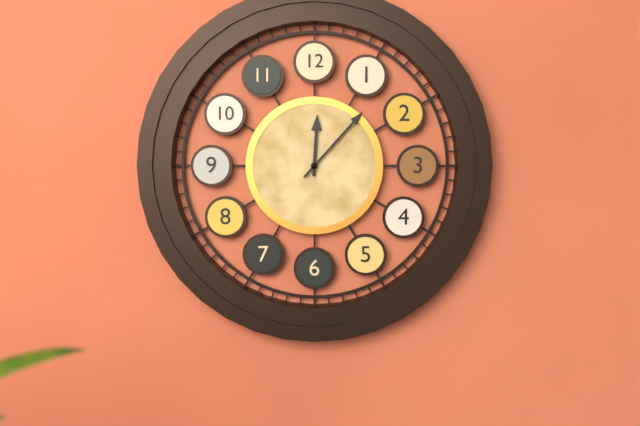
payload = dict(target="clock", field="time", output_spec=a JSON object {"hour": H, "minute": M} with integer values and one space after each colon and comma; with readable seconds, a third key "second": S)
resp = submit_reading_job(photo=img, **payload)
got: {"hour": 12, "minute": 7}
